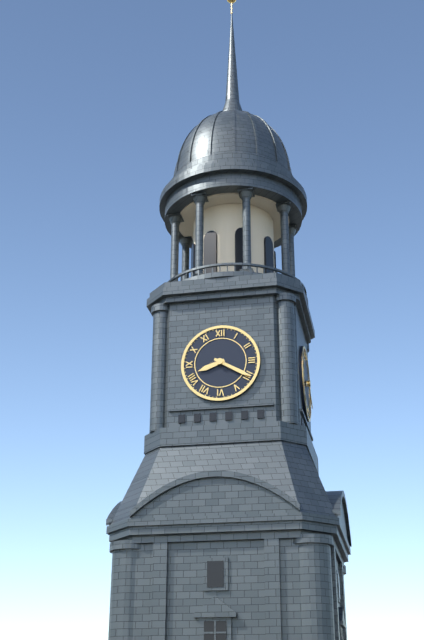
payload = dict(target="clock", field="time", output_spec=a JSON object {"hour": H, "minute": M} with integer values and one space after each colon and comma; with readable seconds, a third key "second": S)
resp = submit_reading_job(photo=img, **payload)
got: {"hour": 8, "minute": 20}
